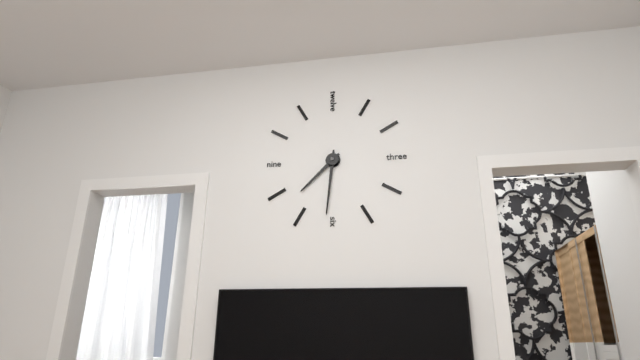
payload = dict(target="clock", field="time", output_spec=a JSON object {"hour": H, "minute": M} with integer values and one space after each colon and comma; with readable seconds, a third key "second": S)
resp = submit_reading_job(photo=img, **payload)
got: {"hour": 7, "minute": 31}
